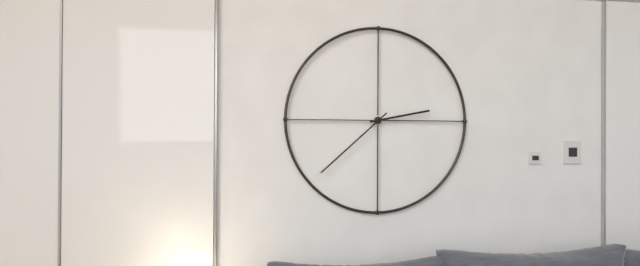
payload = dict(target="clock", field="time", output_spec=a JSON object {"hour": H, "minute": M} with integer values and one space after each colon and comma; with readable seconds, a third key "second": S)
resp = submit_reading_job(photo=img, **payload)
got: {"hour": 2, "minute": 38}
